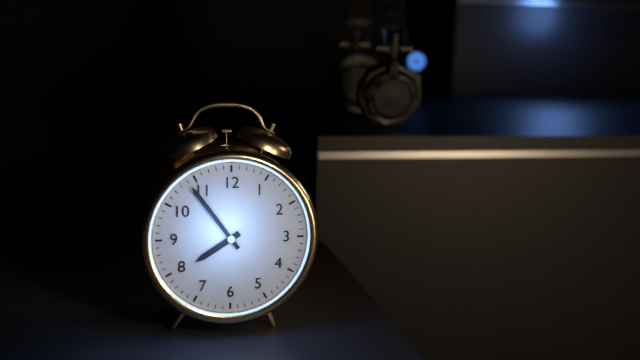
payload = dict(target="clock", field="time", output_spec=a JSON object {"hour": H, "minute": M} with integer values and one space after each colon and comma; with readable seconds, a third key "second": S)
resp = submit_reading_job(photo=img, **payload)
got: {"hour": 7, "minute": 54}
